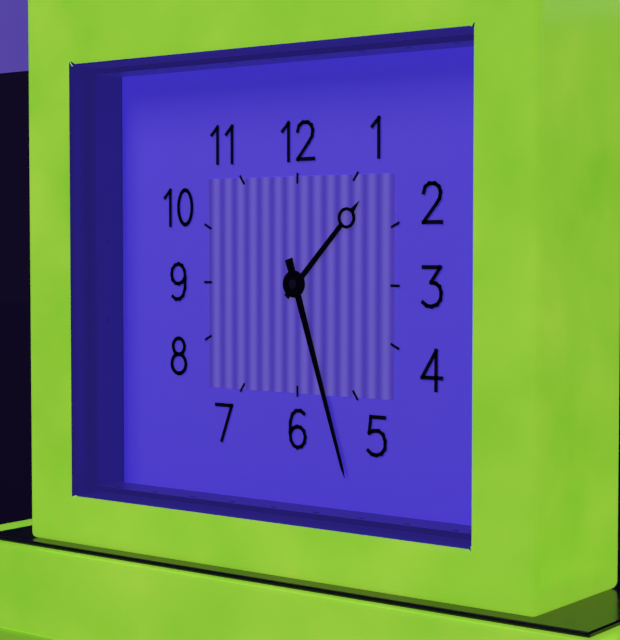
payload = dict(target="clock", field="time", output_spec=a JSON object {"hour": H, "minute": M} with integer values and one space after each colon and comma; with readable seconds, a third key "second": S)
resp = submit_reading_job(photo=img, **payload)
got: {"hour": 1, "minute": 27}
